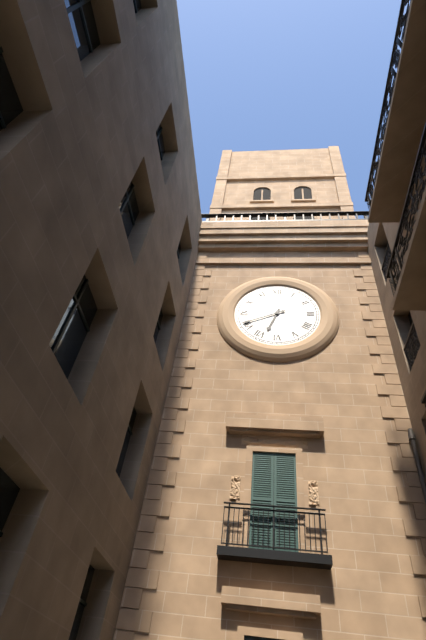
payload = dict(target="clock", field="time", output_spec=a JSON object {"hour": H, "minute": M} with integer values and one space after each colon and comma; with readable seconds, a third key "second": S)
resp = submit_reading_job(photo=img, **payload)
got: {"hour": 6, "minute": 41}
